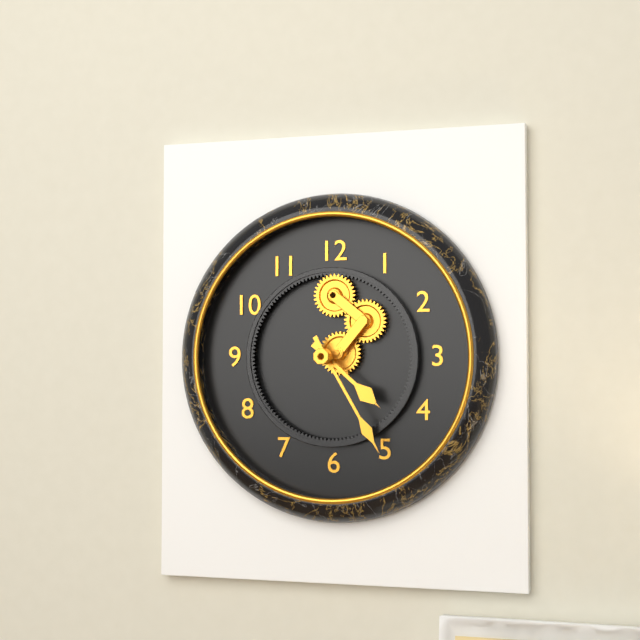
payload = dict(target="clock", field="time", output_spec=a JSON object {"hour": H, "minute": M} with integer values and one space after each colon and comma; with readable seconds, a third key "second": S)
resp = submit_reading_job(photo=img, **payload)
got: {"hour": 4, "minute": 25}
